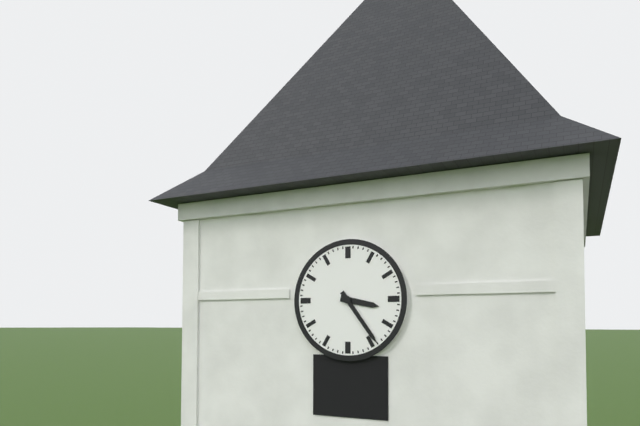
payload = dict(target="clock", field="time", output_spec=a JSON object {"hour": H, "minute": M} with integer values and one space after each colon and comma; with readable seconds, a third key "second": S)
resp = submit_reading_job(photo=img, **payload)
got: {"hour": 3, "minute": 24}
